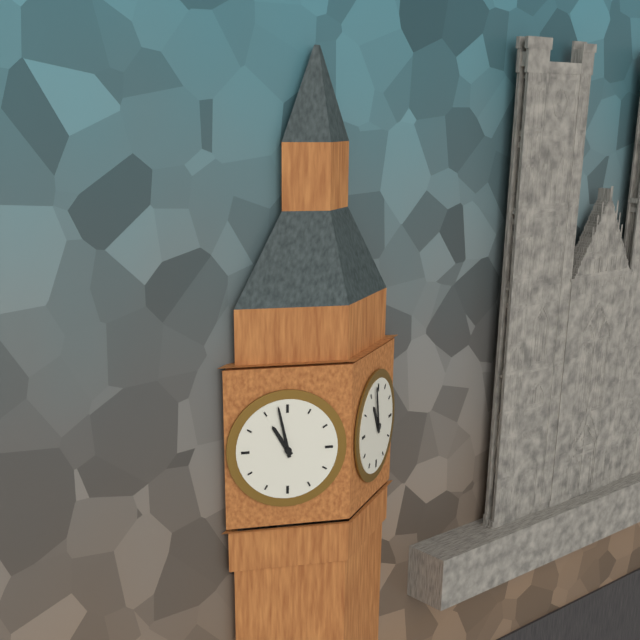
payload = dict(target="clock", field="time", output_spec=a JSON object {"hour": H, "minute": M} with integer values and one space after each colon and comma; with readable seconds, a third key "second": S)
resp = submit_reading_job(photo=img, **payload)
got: {"hour": 10, "minute": 58}
